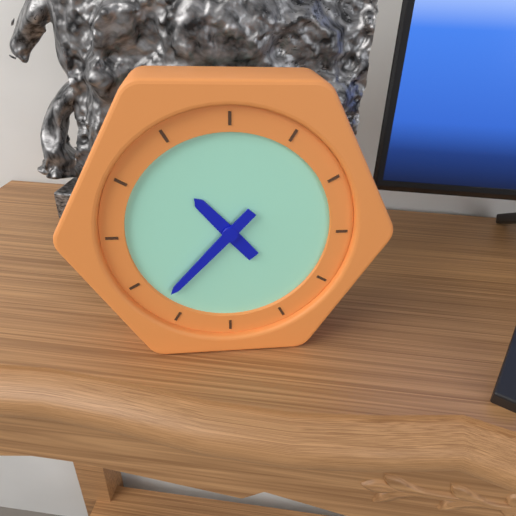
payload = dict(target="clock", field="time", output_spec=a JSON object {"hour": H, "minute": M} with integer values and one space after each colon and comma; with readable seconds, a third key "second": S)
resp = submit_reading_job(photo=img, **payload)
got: {"hour": 10, "minute": 37}
